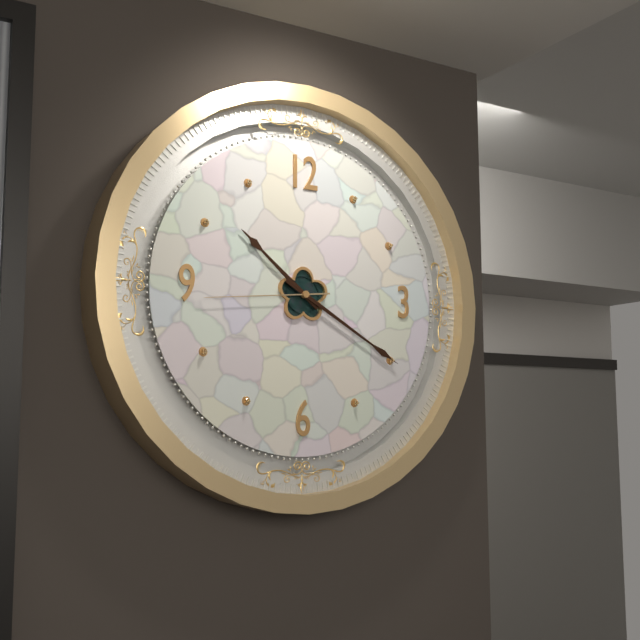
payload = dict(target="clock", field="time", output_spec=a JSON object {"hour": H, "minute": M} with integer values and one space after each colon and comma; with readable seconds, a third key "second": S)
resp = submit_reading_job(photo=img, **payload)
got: {"hour": 10, "minute": 20, "second": 44}
